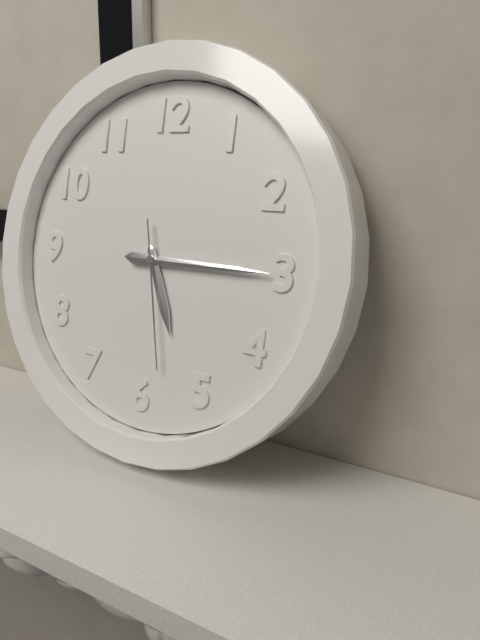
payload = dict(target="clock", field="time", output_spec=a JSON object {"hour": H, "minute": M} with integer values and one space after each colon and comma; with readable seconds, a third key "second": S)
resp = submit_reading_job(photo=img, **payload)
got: {"hour": 5, "minute": 15, "second": 28}
